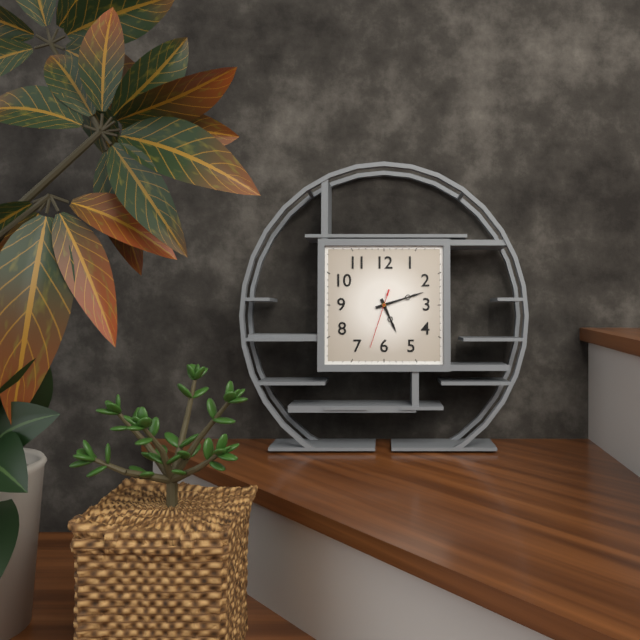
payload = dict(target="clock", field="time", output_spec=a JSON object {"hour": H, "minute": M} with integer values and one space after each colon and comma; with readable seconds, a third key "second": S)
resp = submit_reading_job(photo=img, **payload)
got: {"hour": 5, "minute": 12, "second": 33}
